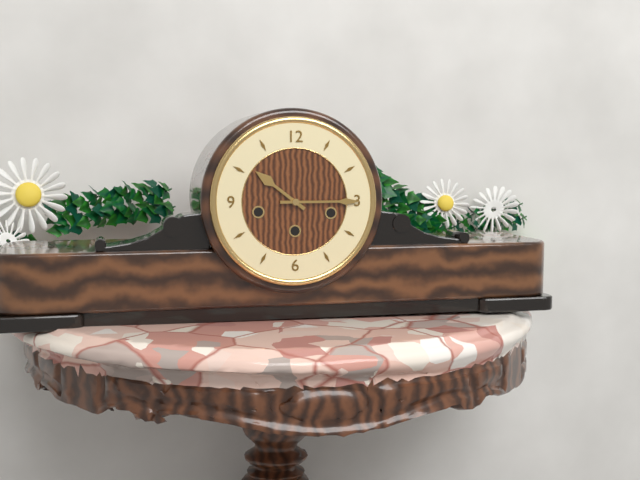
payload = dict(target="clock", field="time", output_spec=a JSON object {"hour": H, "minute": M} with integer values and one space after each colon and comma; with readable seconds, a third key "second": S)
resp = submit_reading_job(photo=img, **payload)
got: {"hour": 10, "minute": 15}
